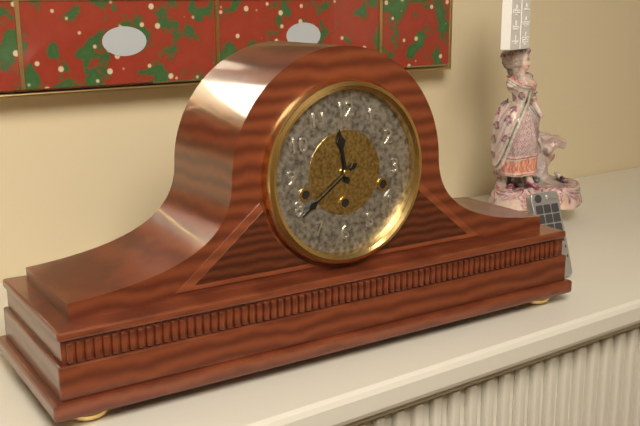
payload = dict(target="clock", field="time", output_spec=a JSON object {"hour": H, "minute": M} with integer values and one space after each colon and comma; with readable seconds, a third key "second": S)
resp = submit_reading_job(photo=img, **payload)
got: {"hour": 11, "minute": 39}
